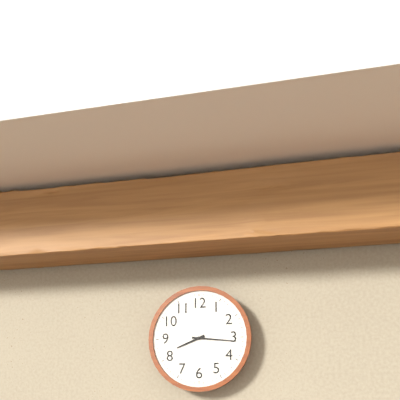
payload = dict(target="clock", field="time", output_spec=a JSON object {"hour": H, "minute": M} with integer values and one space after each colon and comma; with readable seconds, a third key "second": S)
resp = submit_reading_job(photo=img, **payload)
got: {"hour": 8, "minute": 16}
